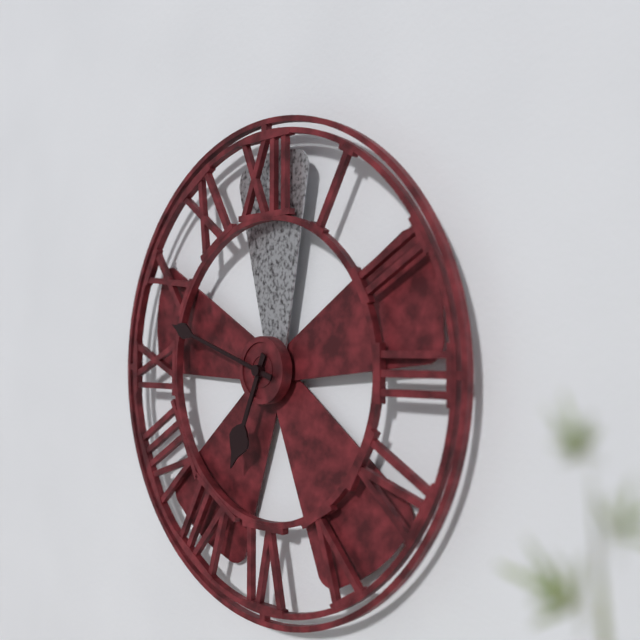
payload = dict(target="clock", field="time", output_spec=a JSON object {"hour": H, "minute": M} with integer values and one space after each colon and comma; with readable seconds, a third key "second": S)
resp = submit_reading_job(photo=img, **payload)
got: {"hour": 6, "minute": 48}
